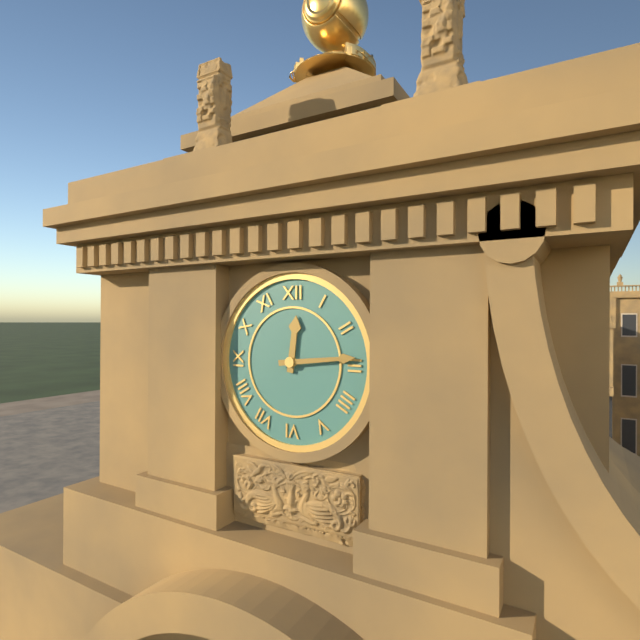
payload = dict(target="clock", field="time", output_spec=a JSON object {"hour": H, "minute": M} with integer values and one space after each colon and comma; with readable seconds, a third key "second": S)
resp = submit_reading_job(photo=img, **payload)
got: {"hour": 12, "minute": 14}
